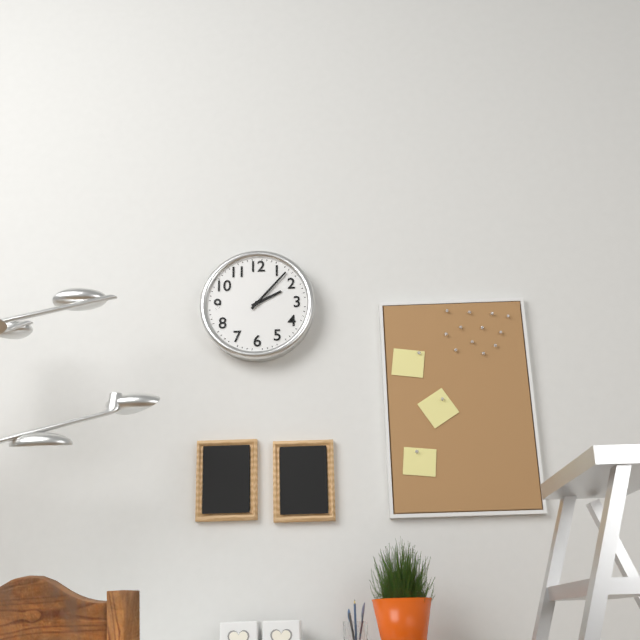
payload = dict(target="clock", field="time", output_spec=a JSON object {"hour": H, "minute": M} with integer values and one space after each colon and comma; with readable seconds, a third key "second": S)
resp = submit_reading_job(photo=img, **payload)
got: {"hour": 2, "minute": 7}
